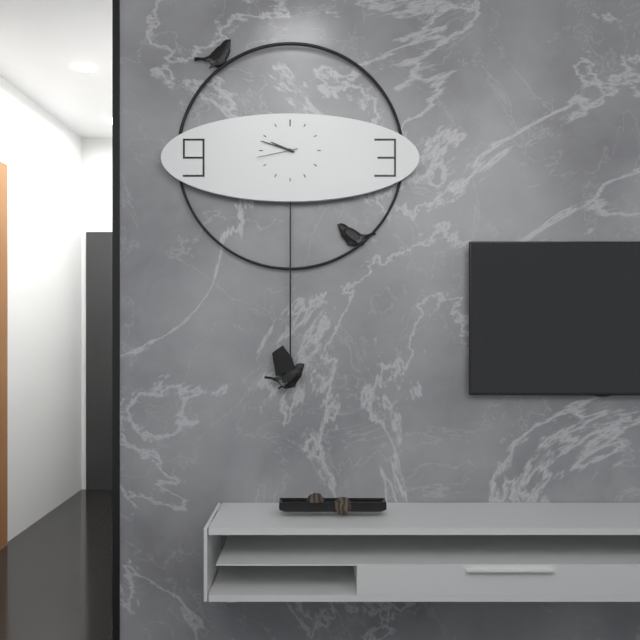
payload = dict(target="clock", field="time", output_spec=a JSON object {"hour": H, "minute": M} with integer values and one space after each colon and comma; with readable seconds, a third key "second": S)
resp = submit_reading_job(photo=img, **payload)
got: {"hour": 9, "minute": 48}
